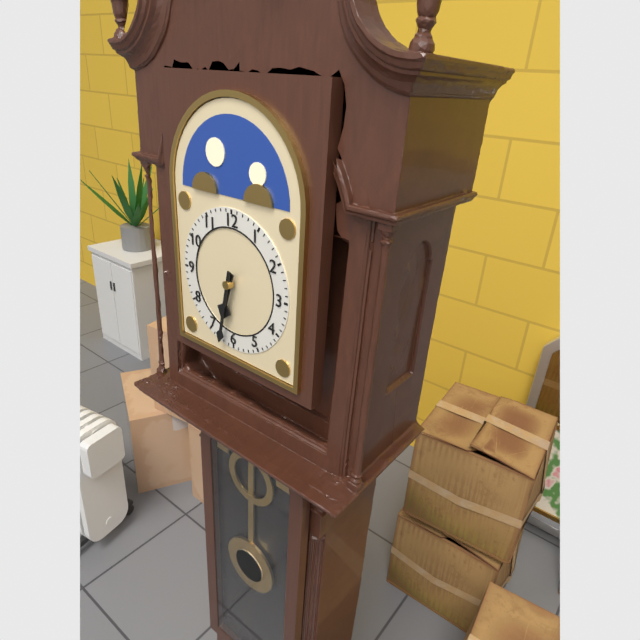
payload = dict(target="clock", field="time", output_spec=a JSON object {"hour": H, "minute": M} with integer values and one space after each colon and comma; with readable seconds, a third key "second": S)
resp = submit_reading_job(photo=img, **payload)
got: {"hour": 6, "minute": 32}
